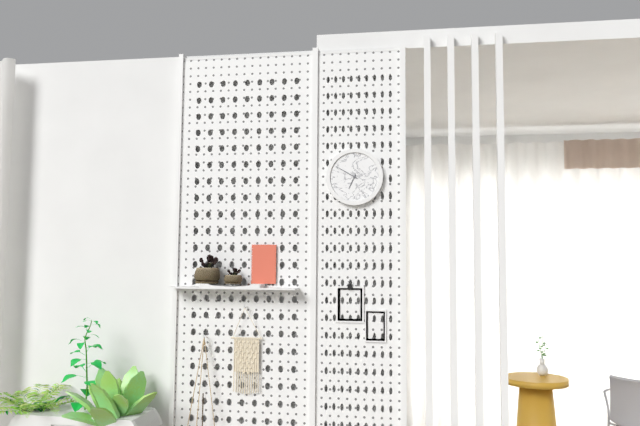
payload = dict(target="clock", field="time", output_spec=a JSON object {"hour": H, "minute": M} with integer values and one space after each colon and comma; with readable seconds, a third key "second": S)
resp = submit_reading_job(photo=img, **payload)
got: {"hour": 6, "minute": 50}
